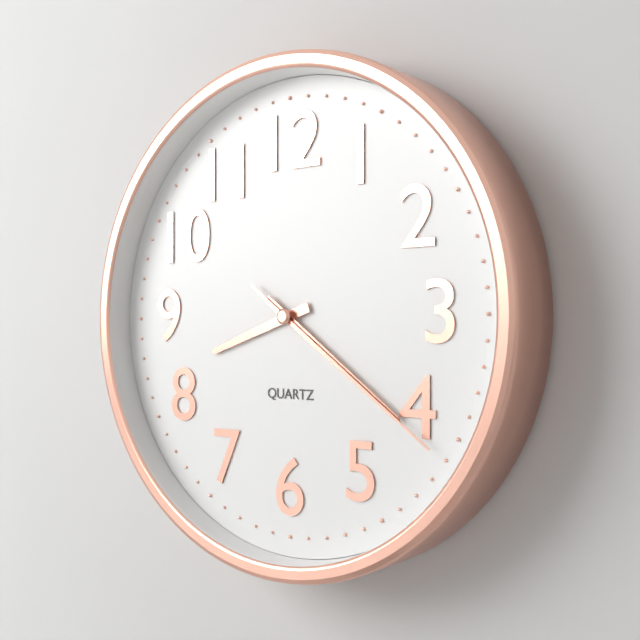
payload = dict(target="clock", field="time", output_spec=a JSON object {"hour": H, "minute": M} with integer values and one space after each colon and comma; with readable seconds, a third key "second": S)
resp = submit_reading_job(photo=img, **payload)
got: {"hour": 8, "minute": 21, "second": 21}
